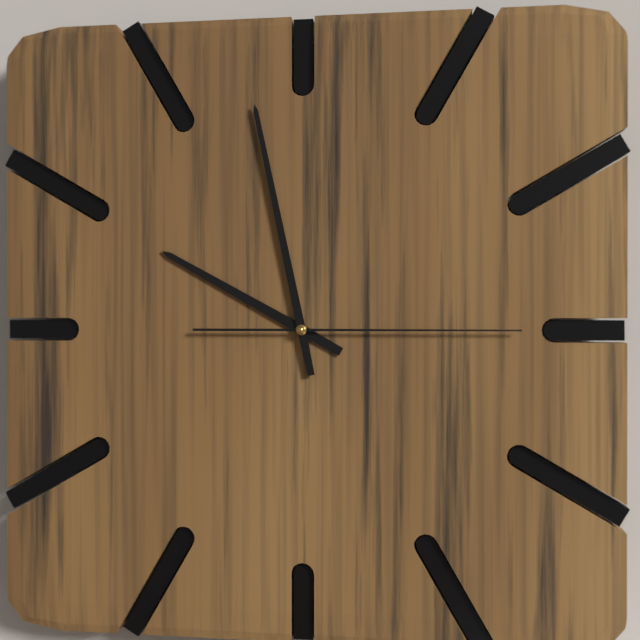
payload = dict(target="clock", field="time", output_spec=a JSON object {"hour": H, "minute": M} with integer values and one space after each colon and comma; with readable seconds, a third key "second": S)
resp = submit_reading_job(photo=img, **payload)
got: {"hour": 9, "minute": 58, "second": 15}
